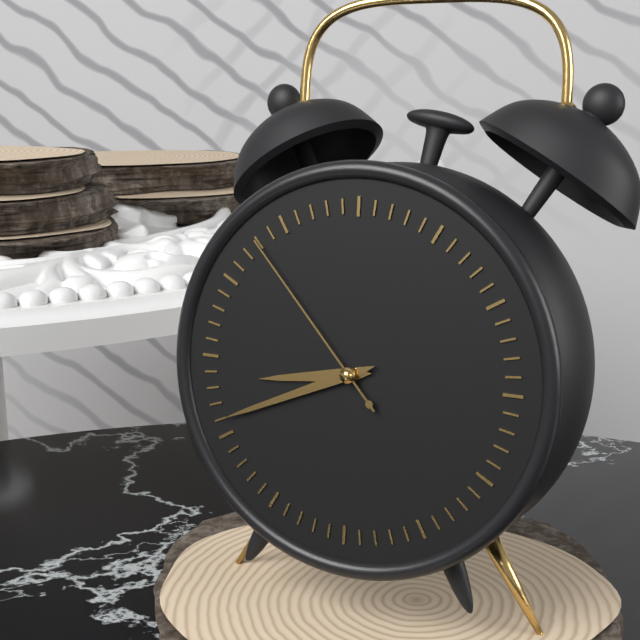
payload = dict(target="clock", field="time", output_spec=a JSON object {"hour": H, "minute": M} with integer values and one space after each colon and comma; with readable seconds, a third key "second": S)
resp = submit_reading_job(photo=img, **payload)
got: {"hour": 8, "minute": 41, "second": 53}
